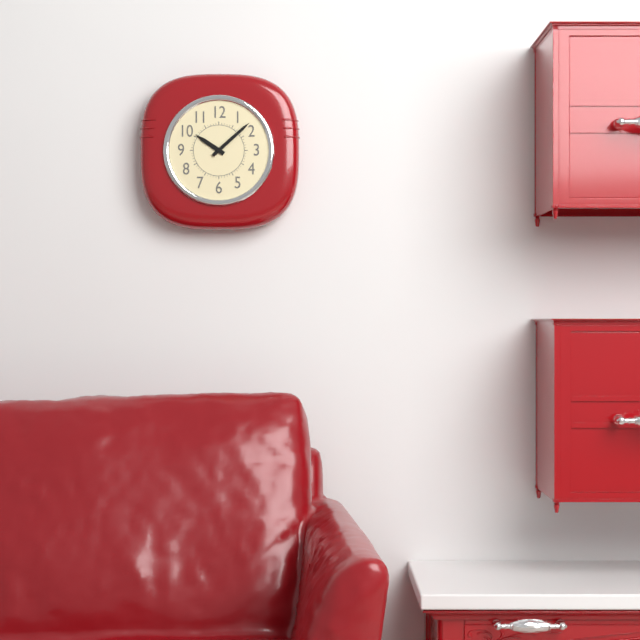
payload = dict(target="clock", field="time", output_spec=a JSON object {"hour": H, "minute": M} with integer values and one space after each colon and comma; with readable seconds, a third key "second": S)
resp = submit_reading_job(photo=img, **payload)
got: {"hour": 10, "minute": 8}
